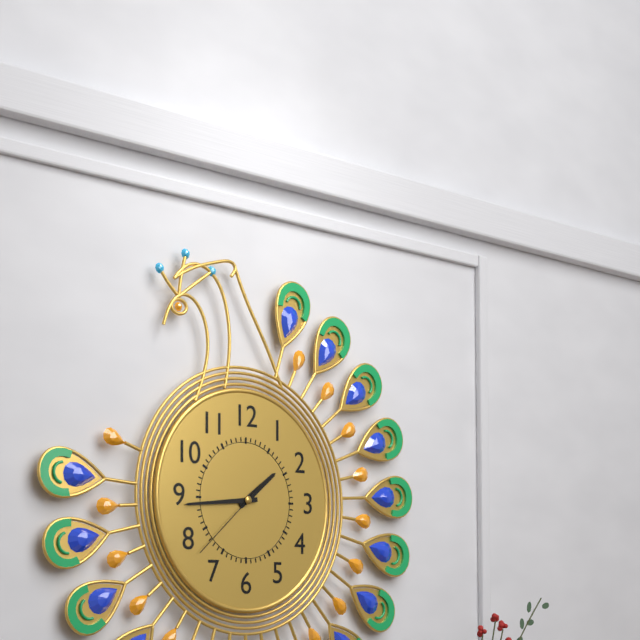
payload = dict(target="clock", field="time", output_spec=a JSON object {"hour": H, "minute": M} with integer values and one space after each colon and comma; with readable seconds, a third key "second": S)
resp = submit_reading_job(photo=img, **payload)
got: {"hour": 1, "minute": 44, "second": 38}
